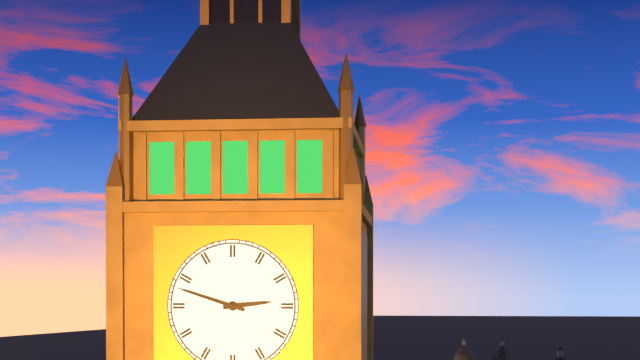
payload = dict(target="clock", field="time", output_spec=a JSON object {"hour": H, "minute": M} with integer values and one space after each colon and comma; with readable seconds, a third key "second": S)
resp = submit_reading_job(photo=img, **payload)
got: {"hour": 2, "minute": 48}
